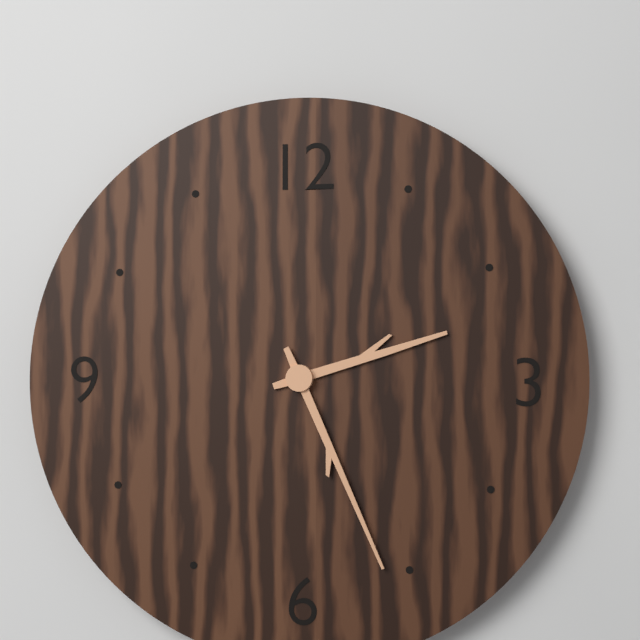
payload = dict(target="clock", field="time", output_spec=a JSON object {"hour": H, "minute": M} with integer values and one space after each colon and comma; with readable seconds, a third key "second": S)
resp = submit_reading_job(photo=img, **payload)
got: {"hour": 2, "minute": 26}
